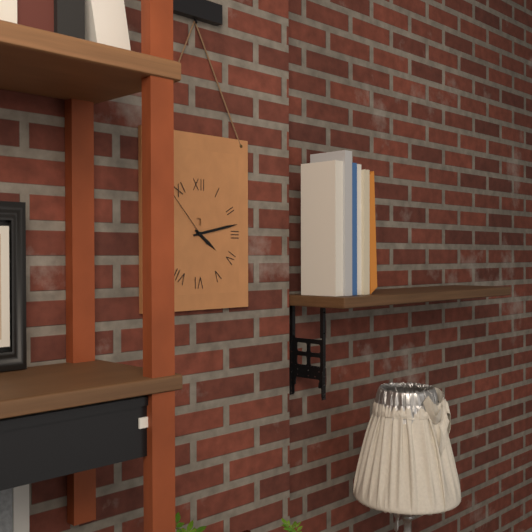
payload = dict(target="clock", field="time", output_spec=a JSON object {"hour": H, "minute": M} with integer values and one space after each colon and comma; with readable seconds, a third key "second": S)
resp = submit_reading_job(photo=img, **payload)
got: {"hour": 4, "minute": 13, "second": 53}
